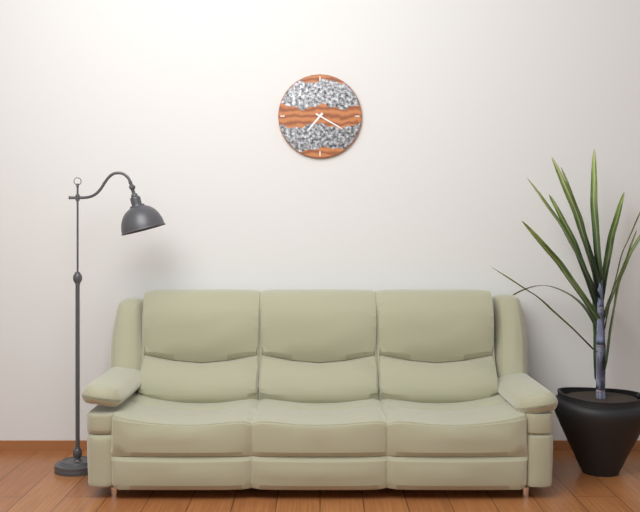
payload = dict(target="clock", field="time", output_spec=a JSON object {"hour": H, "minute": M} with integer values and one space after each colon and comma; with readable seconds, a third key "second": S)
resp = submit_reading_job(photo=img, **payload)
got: {"hour": 7, "minute": 20}
